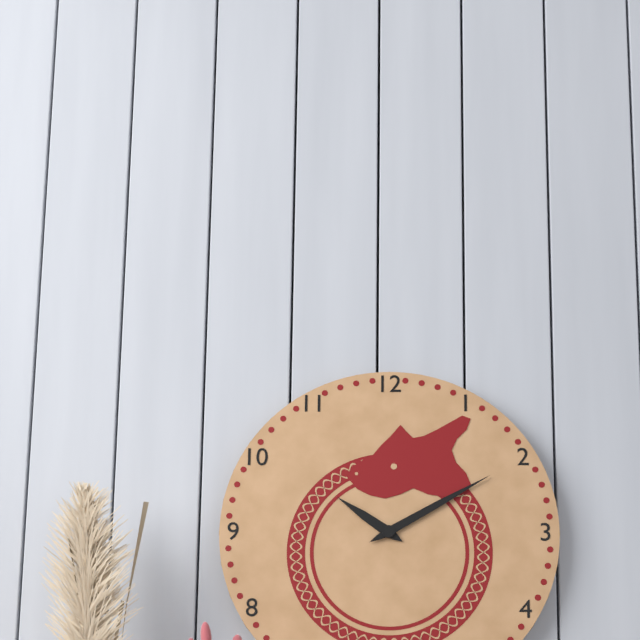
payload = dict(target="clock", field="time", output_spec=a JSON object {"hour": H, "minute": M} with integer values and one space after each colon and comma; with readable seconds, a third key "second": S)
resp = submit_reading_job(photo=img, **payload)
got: {"hour": 10, "minute": 10}
